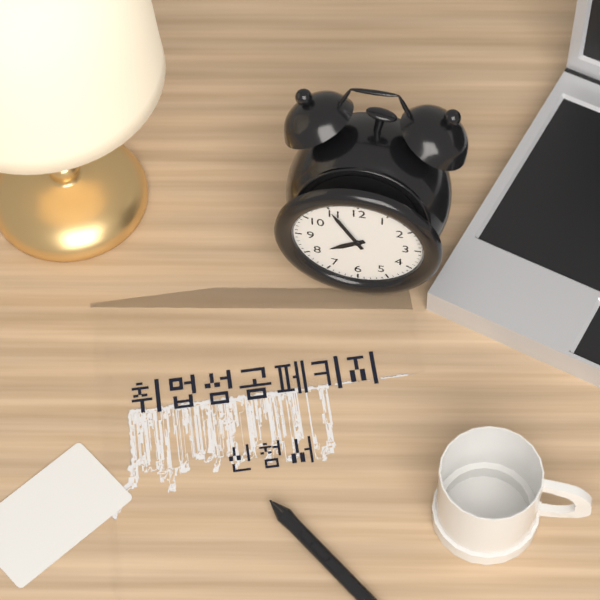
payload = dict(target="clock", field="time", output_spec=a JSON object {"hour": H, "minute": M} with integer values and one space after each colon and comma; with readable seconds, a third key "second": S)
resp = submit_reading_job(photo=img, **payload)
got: {"hour": 7, "minute": 55}
